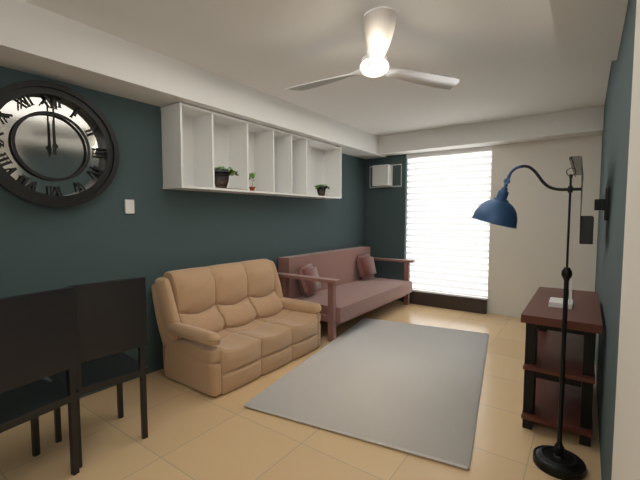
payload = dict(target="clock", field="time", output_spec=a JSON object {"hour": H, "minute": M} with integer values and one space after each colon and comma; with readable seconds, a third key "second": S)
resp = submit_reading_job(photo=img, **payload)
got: {"hour": 12, "minute": 0}
